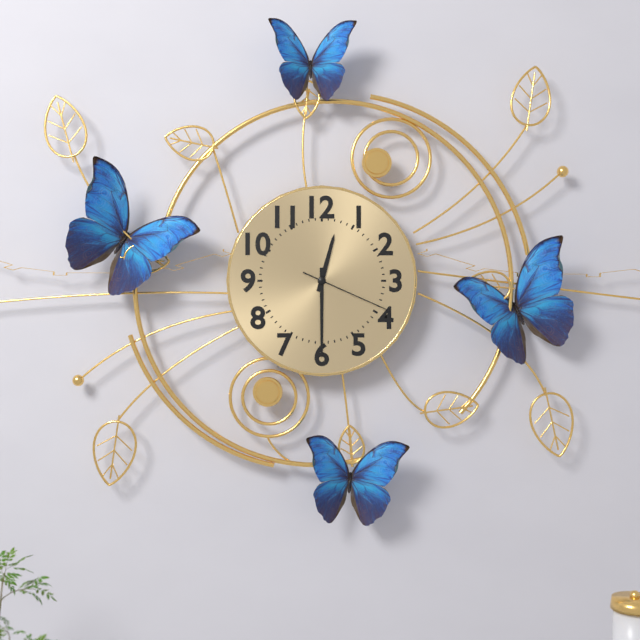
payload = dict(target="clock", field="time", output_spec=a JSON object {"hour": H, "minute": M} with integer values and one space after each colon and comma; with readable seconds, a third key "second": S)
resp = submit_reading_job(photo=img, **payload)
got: {"hour": 12, "minute": 30, "second": 19}
